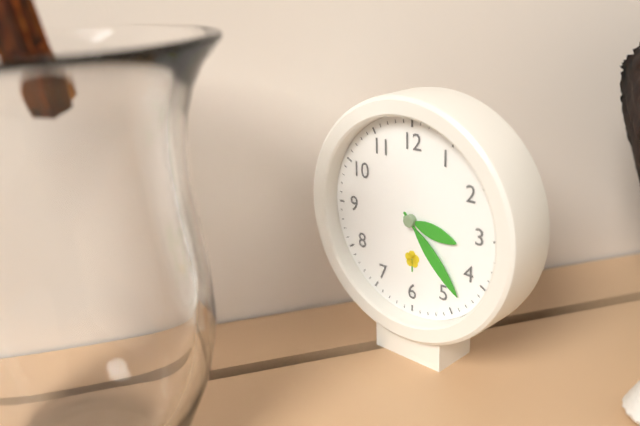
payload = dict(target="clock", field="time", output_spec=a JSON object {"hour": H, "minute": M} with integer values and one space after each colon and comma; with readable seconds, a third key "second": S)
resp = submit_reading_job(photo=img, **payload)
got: {"hour": 3, "minute": 23}
